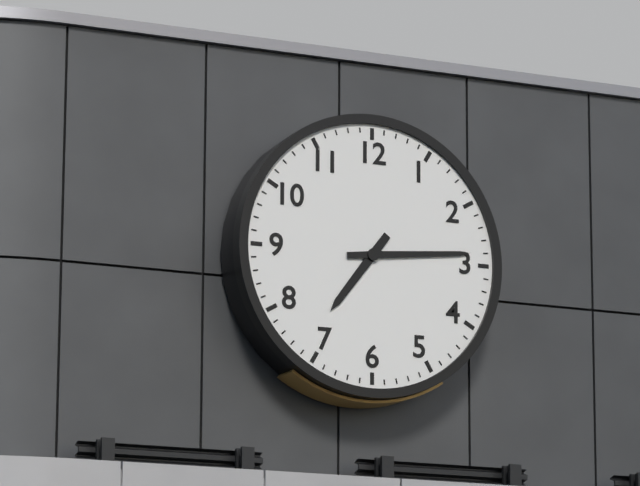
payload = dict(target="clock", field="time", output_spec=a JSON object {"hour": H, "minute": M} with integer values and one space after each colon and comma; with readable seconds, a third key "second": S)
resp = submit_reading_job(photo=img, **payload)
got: {"hour": 7, "minute": 14}
